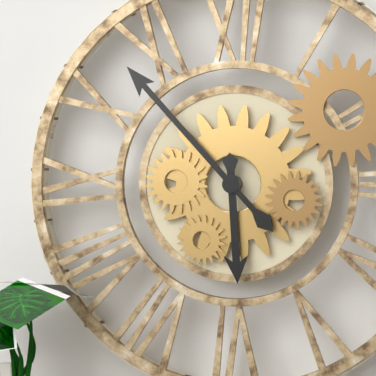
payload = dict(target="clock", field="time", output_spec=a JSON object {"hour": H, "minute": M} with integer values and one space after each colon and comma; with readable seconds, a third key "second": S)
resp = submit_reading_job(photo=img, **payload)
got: {"hour": 5, "minute": 53}
